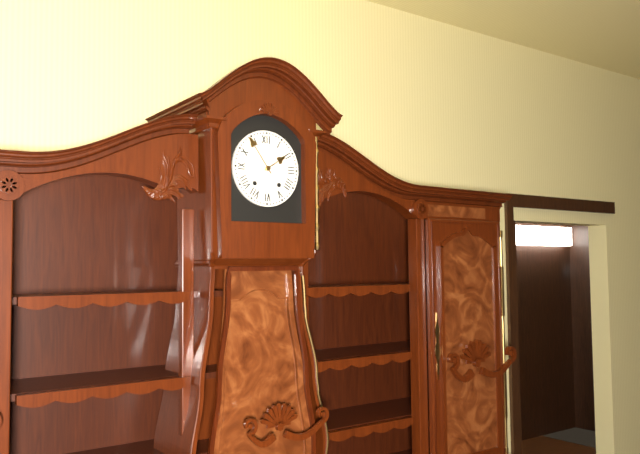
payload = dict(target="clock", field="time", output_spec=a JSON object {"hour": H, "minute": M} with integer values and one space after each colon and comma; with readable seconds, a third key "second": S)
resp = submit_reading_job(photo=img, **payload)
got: {"hour": 1, "minute": 54}
